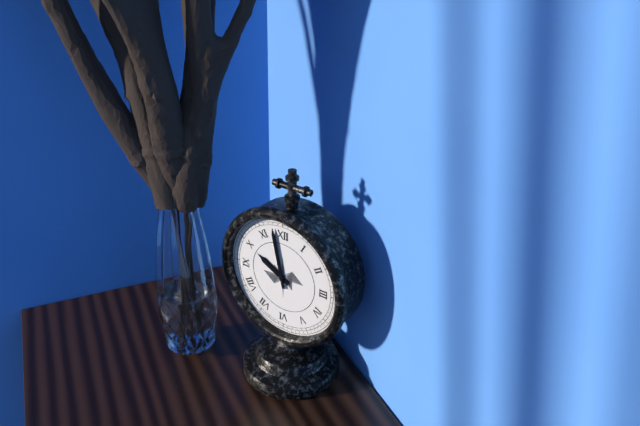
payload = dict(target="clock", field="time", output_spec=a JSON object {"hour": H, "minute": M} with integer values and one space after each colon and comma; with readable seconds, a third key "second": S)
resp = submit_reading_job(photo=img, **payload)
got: {"hour": 9, "minute": 58}
